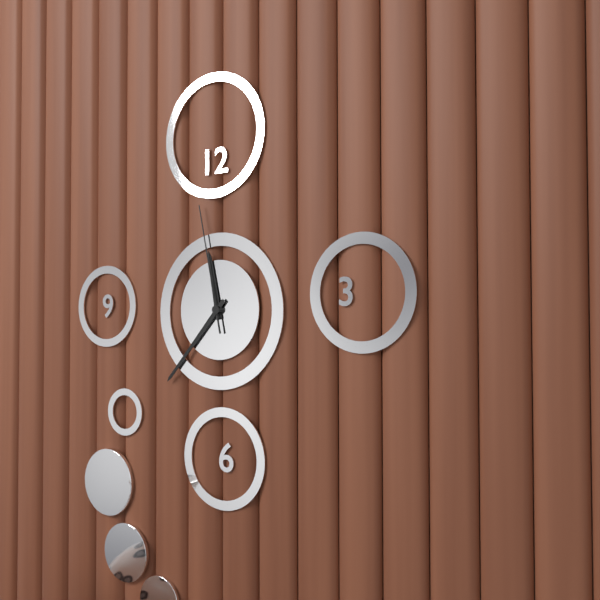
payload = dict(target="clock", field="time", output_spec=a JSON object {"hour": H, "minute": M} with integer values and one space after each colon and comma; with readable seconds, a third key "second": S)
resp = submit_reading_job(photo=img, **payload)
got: {"hour": 11, "minute": 37, "second": 58}
